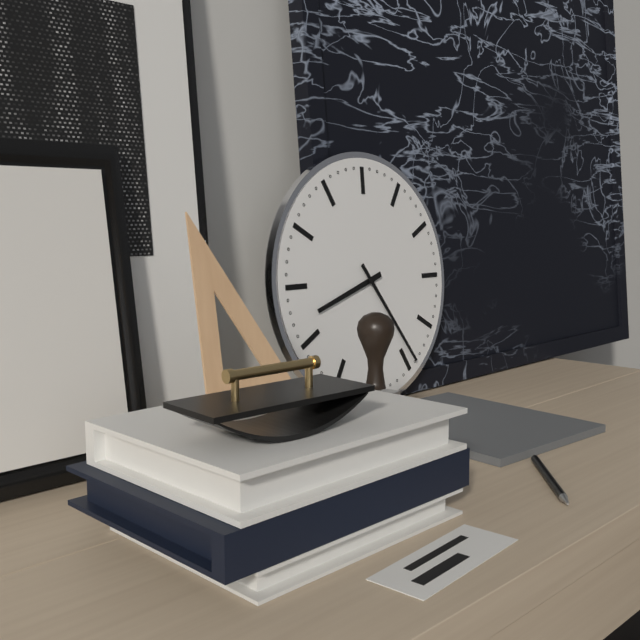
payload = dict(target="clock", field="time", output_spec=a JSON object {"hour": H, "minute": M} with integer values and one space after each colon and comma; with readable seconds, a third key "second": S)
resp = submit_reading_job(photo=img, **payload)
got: {"hour": 8, "minute": 24}
